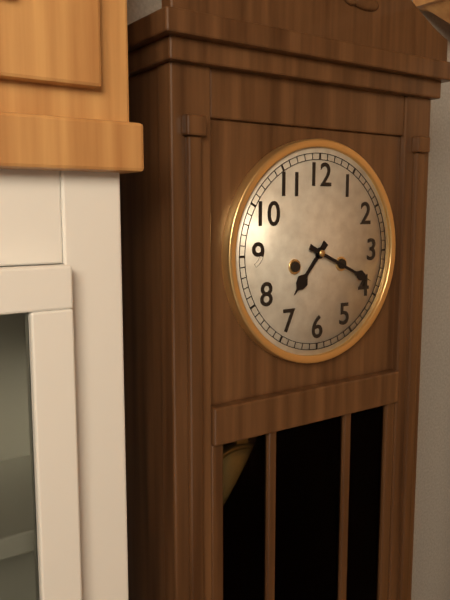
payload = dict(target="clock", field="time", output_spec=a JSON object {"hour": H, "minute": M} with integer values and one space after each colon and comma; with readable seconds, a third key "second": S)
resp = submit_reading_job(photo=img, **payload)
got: {"hour": 7, "minute": 19}
